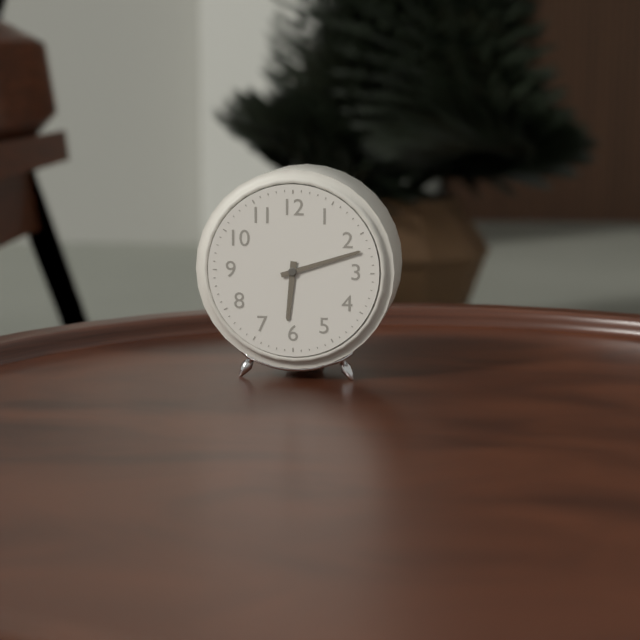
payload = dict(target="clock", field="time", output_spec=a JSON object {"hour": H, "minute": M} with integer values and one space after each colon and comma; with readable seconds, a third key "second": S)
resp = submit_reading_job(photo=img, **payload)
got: {"hour": 6, "minute": 12}
